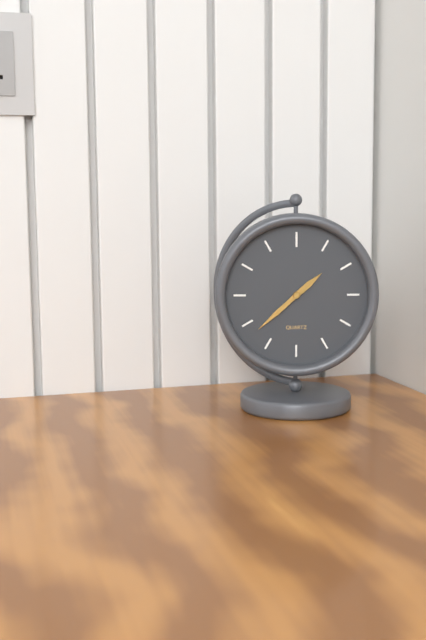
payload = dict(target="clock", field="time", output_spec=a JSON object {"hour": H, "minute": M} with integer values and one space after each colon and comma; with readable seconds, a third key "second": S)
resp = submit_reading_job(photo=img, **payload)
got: {"hour": 1, "minute": 38}
